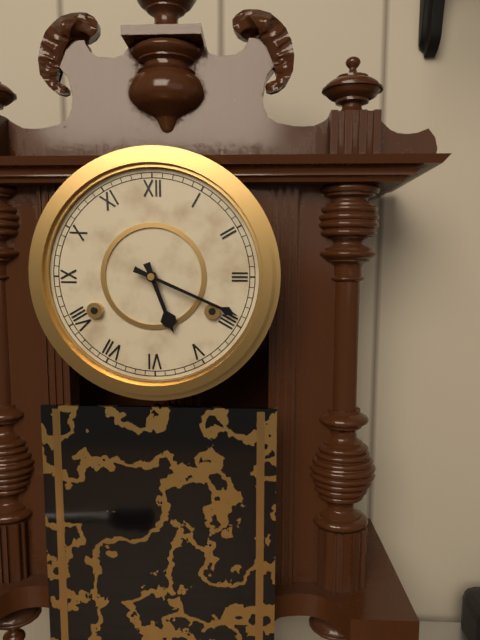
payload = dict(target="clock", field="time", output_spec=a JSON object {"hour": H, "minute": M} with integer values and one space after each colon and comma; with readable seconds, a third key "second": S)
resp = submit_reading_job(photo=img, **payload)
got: {"hour": 5, "minute": 19}
